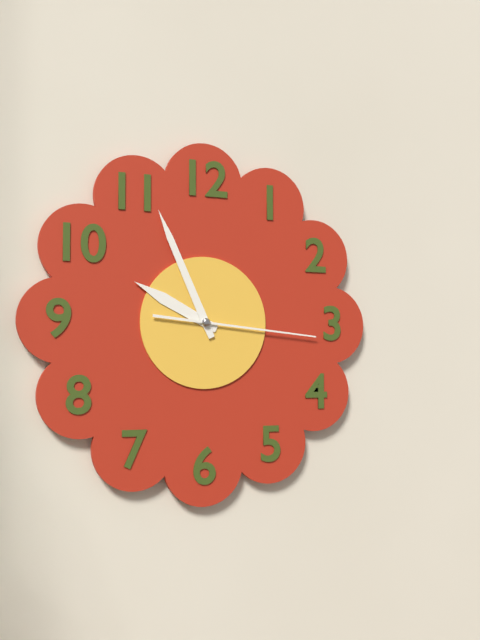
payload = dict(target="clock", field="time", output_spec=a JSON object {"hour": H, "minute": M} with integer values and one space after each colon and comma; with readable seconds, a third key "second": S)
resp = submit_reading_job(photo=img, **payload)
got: {"hour": 9, "minute": 56, "second": 16}
